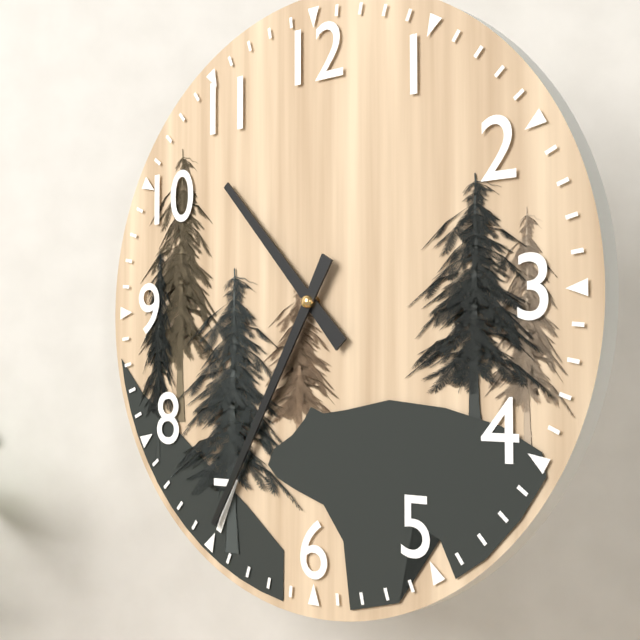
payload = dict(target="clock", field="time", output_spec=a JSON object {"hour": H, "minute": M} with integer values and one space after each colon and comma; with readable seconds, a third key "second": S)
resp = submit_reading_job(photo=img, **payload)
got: {"hour": 10, "minute": 35}
